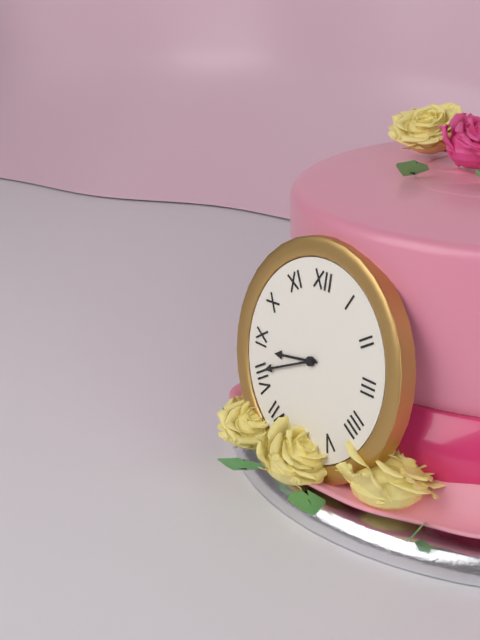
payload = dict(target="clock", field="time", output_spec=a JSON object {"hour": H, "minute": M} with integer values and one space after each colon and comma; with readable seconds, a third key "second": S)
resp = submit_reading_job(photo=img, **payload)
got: {"hour": 8, "minute": 41}
